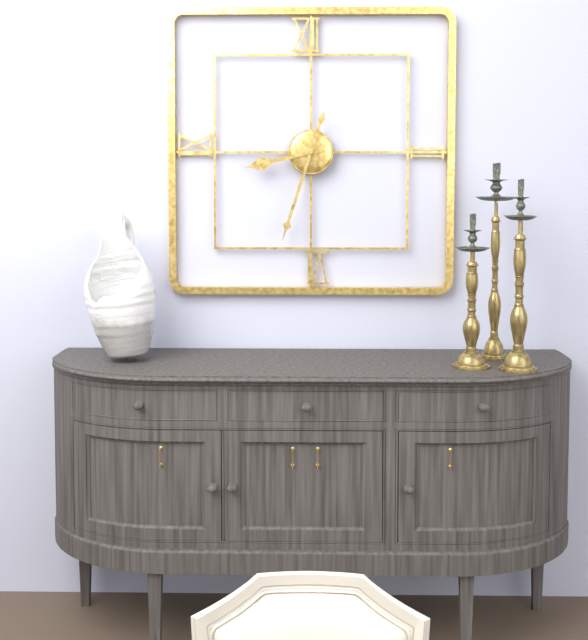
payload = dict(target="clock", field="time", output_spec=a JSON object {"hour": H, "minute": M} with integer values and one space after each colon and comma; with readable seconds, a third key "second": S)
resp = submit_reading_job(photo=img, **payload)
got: {"hour": 8, "minute": 33}
